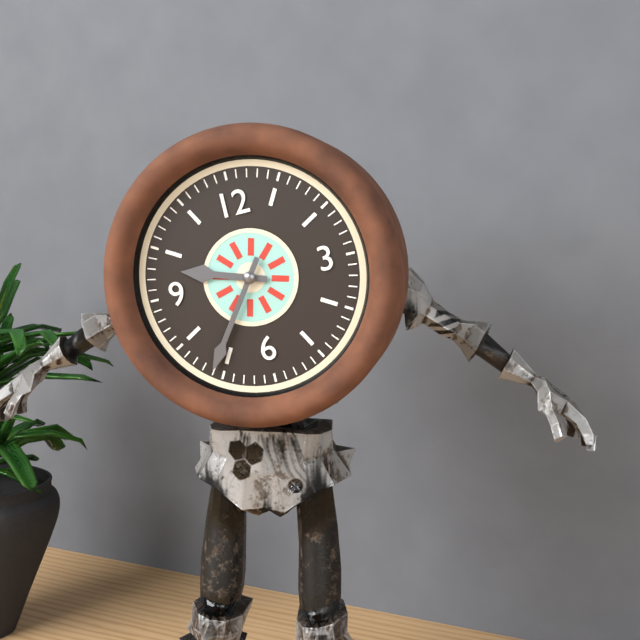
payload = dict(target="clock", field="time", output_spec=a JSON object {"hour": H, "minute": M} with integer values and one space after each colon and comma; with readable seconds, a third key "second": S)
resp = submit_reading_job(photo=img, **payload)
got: {"hour": 9, "minute": 36}
